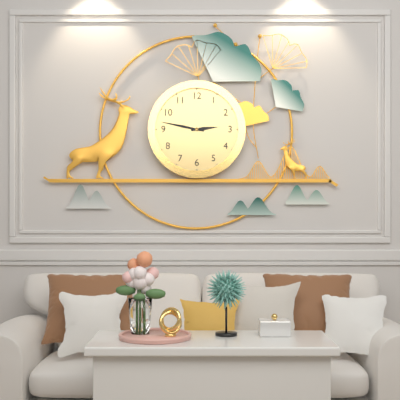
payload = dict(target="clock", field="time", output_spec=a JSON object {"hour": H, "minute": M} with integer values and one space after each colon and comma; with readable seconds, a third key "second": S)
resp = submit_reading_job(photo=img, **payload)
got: {"hour": 2, "minute": 47}
